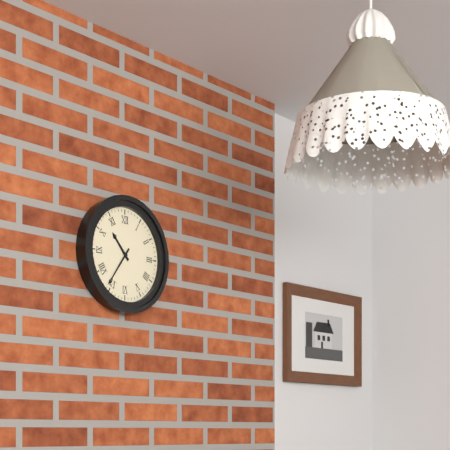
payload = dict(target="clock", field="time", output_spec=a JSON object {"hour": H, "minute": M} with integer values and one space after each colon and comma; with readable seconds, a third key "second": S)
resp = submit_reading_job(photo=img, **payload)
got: {"hour": 10, "minute": 36}
